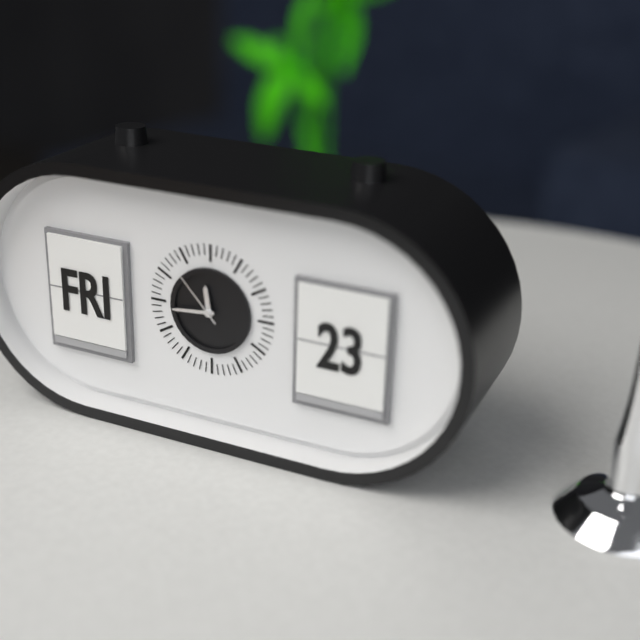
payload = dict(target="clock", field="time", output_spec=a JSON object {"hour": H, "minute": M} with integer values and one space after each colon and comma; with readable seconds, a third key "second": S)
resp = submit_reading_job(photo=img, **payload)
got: {"hour": 11, "minute": 44, "second": 53}
